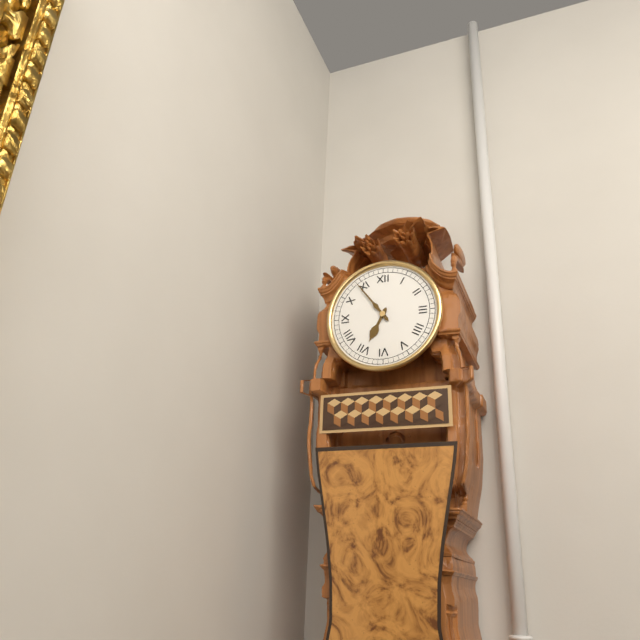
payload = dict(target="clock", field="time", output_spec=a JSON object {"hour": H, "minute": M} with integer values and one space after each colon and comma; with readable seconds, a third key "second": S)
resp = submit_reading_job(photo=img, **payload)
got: {"hour": 6, "minute": 54}
